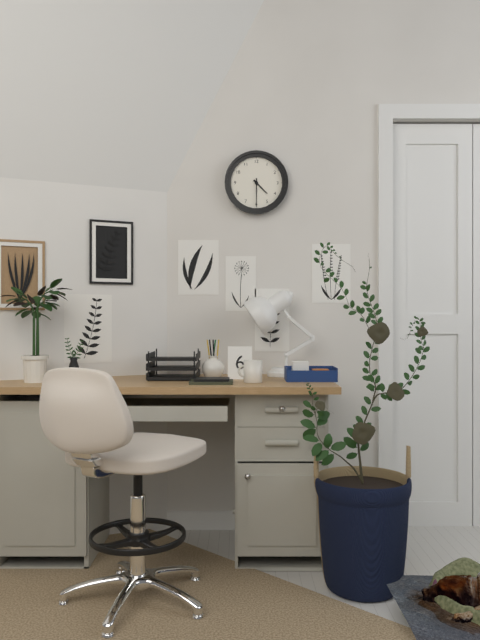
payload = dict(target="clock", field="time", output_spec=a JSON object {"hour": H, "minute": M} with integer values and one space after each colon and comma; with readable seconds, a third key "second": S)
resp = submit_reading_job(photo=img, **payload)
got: {"hour": 4, "minute": 30}
